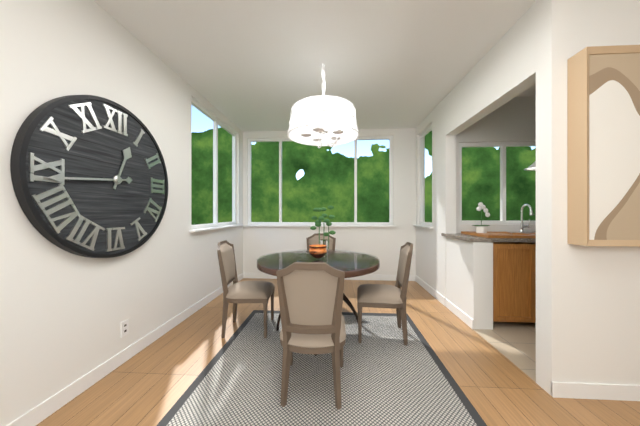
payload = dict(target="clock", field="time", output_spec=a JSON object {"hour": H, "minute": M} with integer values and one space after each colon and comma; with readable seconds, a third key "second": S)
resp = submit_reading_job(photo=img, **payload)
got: {"hour": 12, "minute": 44}
